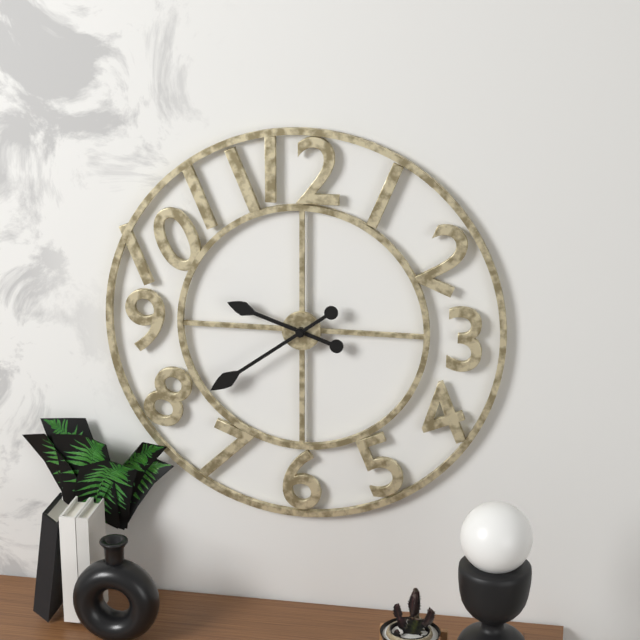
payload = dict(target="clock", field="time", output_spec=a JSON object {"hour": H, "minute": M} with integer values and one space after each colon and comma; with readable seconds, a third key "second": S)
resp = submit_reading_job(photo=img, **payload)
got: {"hour": 9, "minute": 39}
